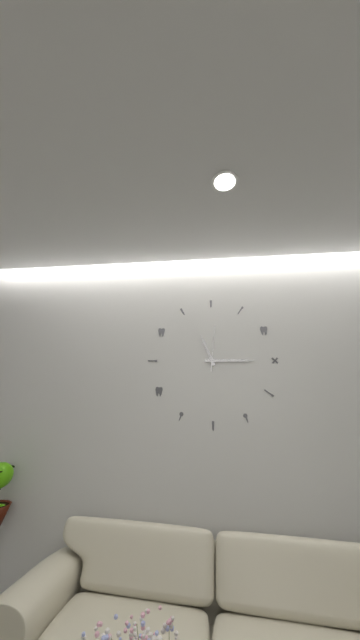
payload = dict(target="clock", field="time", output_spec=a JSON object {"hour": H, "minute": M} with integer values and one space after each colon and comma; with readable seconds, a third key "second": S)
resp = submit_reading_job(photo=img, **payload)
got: {"hour": 11, "minute": 15}
